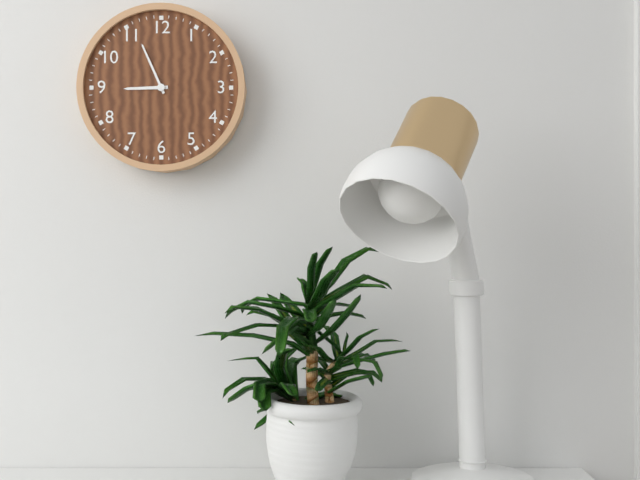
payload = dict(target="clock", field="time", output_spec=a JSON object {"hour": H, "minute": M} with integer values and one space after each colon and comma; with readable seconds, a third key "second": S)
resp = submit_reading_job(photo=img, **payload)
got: {"hour": 8, "minute": 56}
